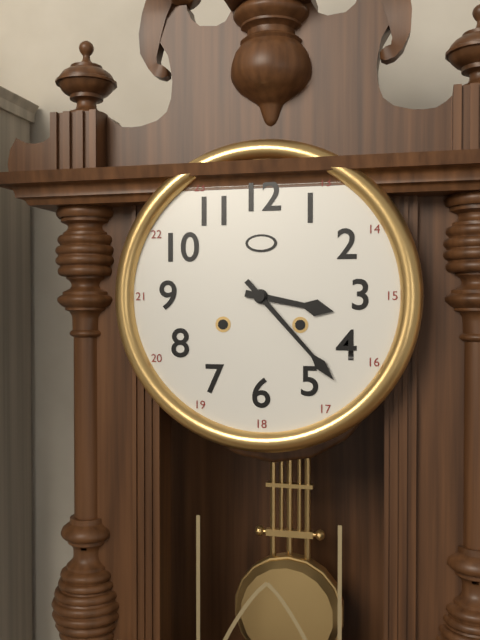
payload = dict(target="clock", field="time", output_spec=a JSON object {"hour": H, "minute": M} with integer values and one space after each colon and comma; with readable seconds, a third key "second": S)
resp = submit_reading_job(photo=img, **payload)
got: {"hour": 3, "minute": 23}
